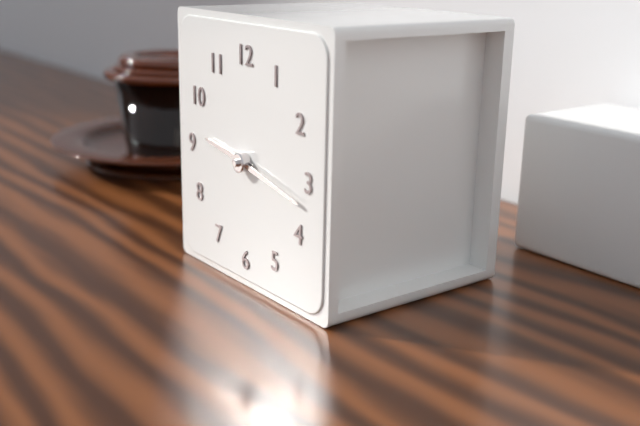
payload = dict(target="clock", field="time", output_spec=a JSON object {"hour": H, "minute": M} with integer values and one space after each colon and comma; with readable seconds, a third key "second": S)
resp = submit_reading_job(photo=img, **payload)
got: {"hour": 9, "minute": 17}
